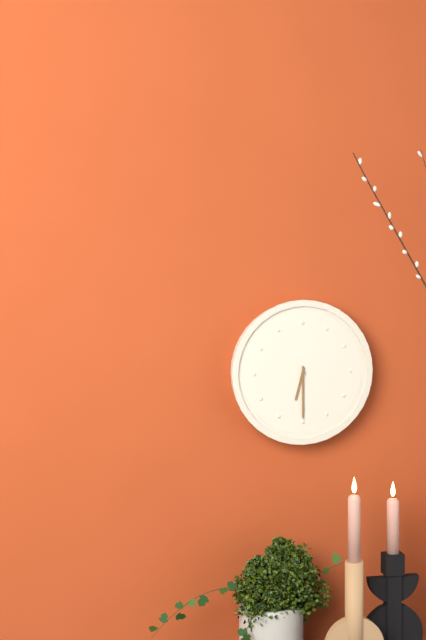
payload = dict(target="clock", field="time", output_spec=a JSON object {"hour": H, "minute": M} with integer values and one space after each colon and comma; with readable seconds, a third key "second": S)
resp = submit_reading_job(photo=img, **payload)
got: {"hour": 6, "minute": 30}
